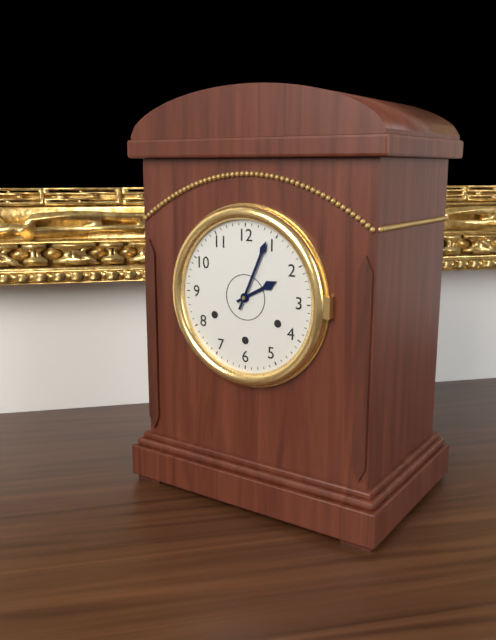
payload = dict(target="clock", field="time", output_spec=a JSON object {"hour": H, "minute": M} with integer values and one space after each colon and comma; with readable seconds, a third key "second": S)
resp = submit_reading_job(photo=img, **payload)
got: {"hour": 2, "minute": 4}
